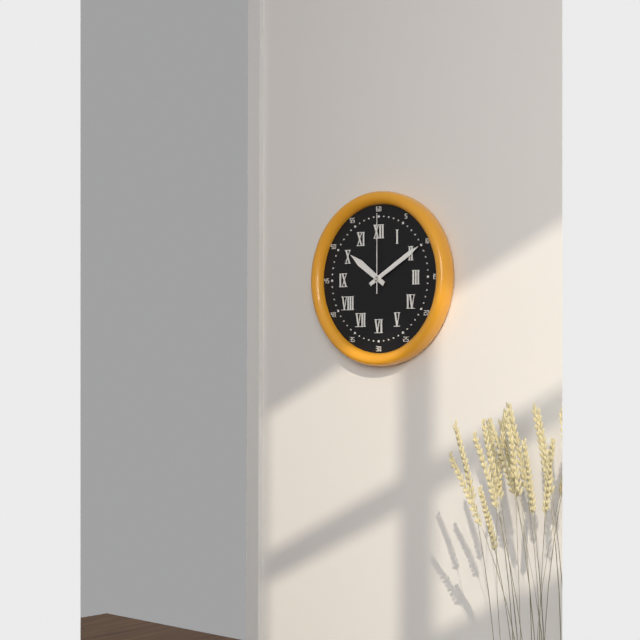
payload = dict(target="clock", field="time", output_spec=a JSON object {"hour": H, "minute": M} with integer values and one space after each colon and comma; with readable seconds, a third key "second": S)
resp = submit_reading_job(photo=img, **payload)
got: {"hour": 10, "minute": 10, "second": 0}
